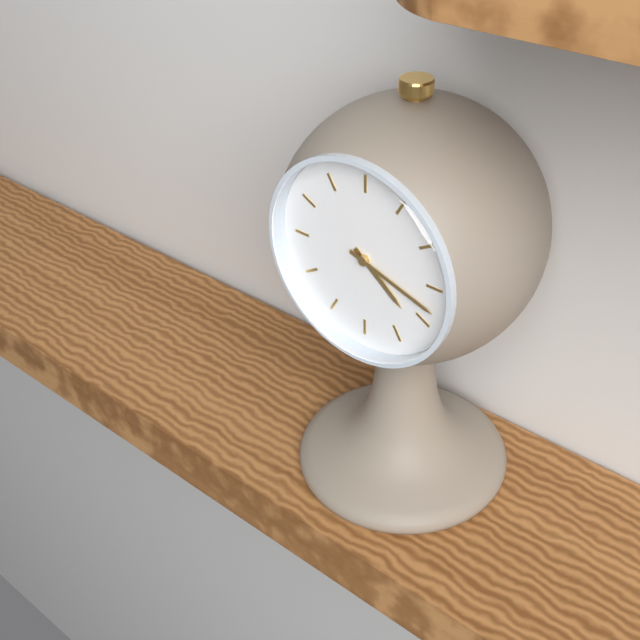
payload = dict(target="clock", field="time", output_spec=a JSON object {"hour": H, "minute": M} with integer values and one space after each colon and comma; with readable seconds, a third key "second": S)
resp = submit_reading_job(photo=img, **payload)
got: {"hour": 4, "minute": 18}
